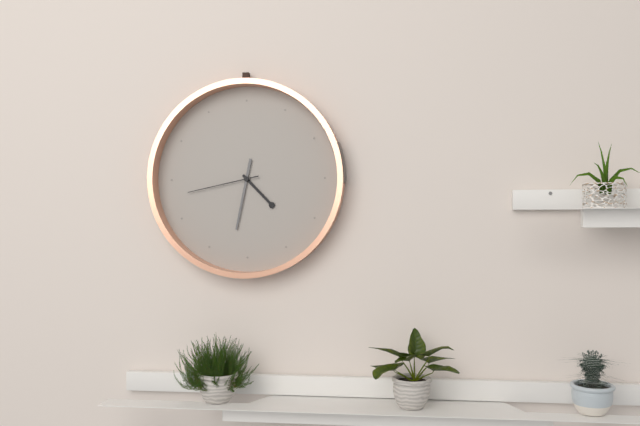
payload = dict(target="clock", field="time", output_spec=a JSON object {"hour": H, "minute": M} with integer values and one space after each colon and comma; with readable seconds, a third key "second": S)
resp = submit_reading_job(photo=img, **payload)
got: {"hour": 4, "minute": 32, "second": 43}
